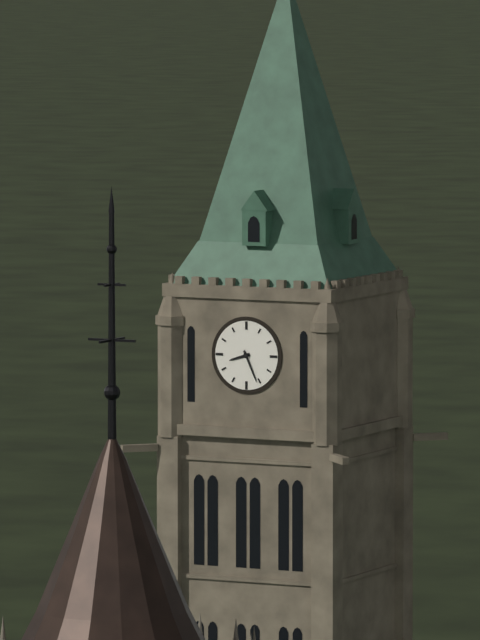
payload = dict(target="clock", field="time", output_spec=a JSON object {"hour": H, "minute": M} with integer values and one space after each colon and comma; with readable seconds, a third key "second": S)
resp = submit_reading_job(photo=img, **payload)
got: {"hour": 8, "minute": 26}
